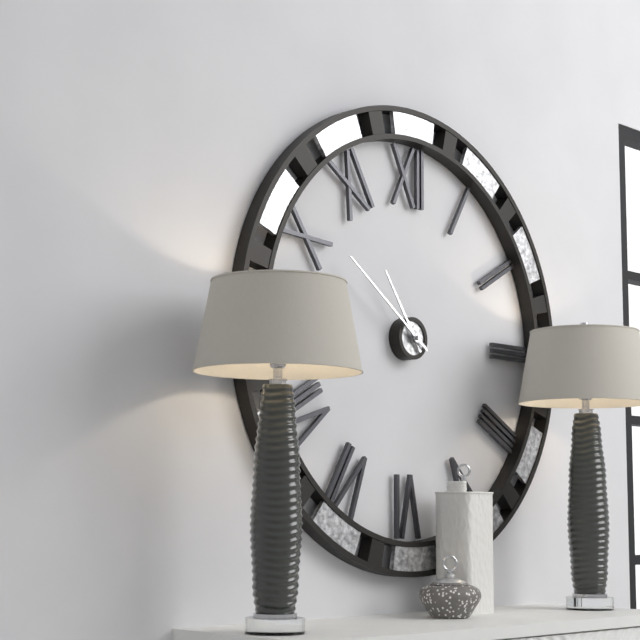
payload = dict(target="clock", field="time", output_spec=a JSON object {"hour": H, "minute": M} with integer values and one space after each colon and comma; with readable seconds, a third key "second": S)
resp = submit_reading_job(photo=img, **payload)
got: {"hour": 10, "minute": 51}
